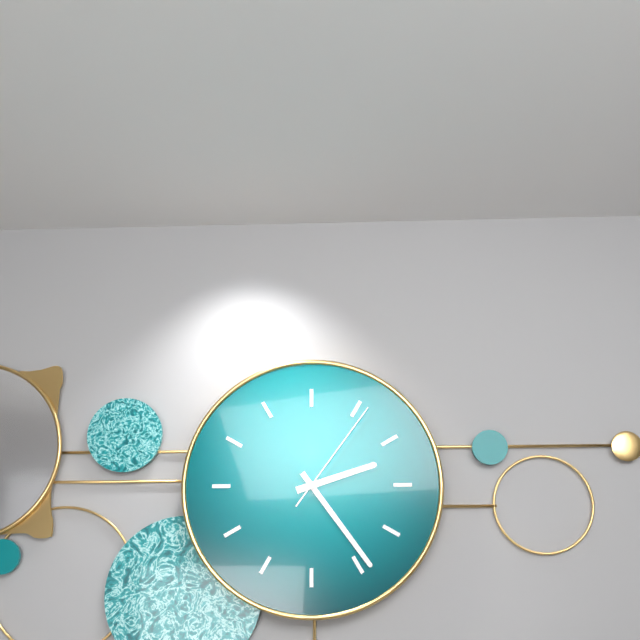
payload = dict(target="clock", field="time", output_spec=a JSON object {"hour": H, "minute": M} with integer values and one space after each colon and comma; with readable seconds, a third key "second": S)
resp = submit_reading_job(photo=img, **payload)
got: {"hour": 2, "minute": 24, "second": 6}
